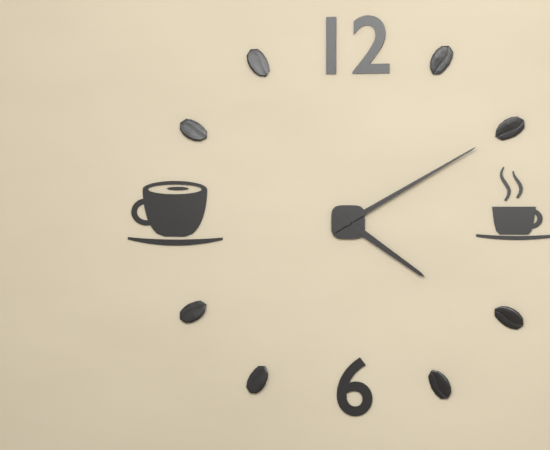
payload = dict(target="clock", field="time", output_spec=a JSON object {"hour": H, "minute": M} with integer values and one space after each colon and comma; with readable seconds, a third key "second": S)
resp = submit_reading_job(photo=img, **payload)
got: {"hour": 4, "minute": 10}
